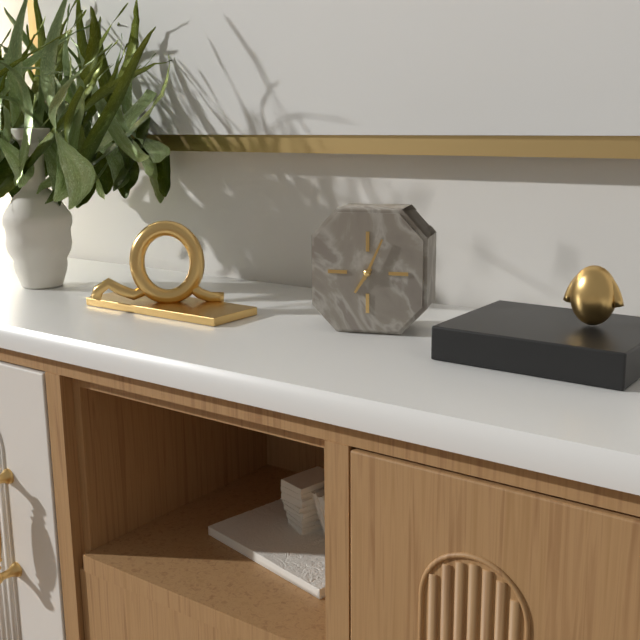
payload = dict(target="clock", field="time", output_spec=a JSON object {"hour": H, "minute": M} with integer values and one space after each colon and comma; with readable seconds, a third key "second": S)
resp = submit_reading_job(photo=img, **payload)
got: {"hour": 7, "minute": 4}
